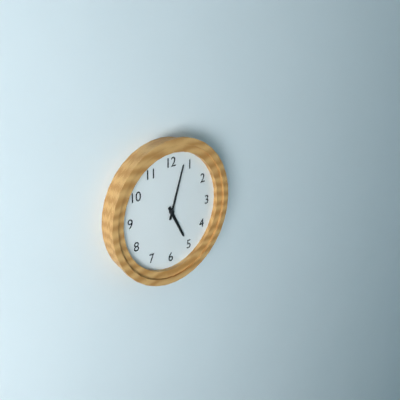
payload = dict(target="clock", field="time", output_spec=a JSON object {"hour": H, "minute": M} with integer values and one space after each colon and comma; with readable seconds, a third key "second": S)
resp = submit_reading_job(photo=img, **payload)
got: {"hour": 5, "minute": 3}
